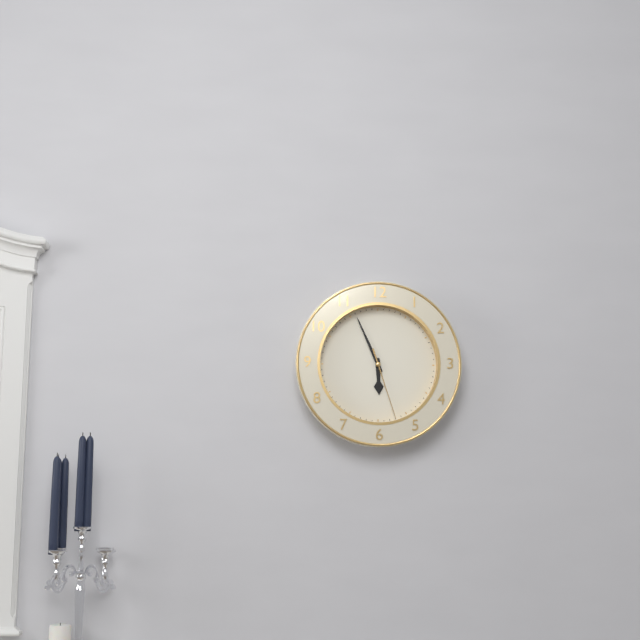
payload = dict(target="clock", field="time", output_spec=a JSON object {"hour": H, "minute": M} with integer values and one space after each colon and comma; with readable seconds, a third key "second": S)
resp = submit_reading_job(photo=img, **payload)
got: {"hour": 5, "minute": 56, "second": 27}
